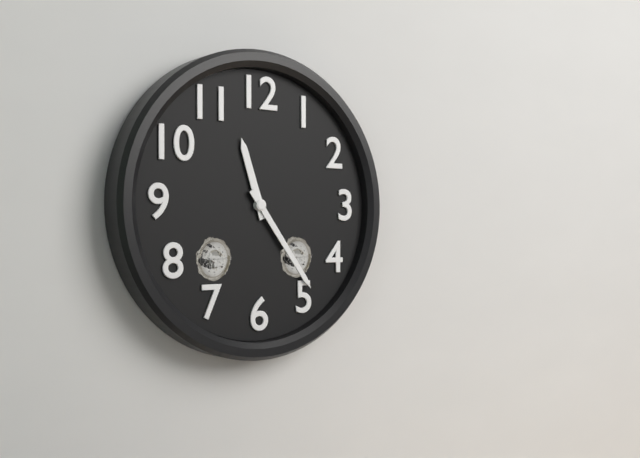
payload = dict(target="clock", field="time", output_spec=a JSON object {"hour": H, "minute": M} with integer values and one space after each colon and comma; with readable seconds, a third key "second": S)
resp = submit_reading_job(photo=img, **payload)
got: {"hour": 11, "minute": 24}
